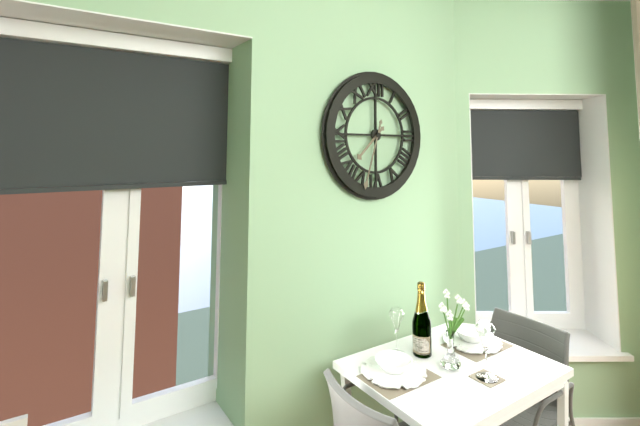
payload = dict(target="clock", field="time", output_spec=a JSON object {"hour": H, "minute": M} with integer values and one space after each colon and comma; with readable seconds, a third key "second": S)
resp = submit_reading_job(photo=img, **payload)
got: {"hour": 7, "minute": 33}
